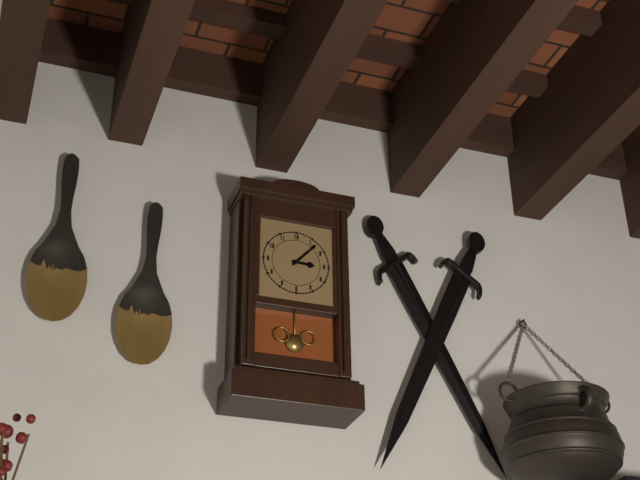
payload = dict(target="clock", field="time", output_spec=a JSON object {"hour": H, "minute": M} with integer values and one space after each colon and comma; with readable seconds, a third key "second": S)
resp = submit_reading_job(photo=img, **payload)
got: {"hour": 3, "minute": 7}
